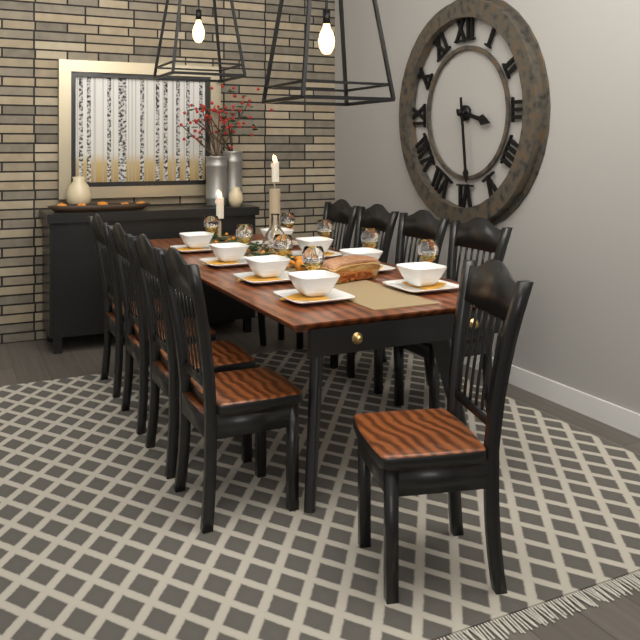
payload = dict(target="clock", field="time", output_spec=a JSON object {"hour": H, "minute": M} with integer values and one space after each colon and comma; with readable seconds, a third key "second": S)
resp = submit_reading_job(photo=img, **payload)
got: {"hour": 3, "minute": 29}
